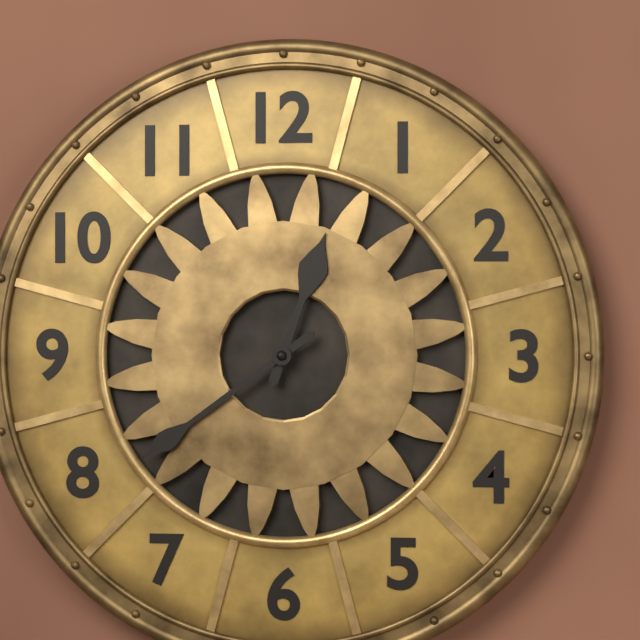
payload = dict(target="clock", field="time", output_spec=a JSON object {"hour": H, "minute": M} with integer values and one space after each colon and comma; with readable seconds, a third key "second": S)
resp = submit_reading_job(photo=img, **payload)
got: {"hour": 12, "minute": 39}
